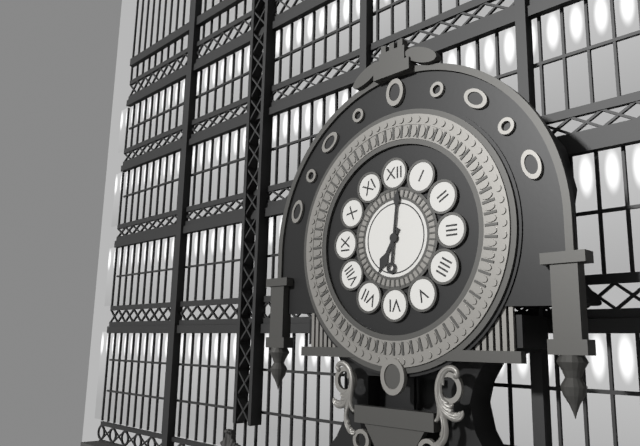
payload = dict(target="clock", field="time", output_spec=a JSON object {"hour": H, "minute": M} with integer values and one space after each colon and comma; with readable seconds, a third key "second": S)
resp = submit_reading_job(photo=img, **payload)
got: {"hour": 7, "minute": 1}
